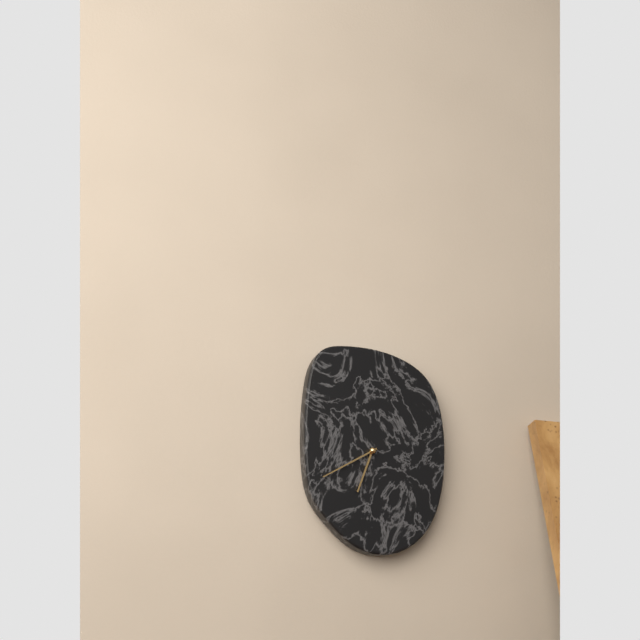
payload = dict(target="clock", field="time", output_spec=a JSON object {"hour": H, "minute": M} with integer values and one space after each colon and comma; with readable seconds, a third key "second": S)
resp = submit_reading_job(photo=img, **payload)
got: {"hour": 6, "minute": 40}
